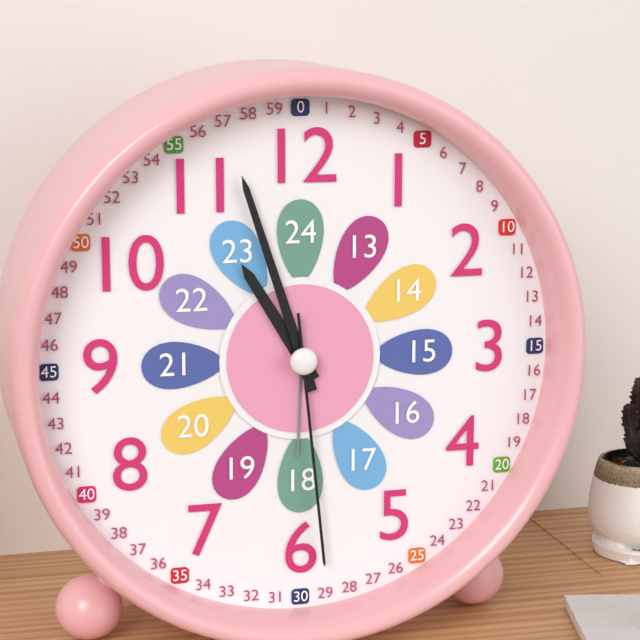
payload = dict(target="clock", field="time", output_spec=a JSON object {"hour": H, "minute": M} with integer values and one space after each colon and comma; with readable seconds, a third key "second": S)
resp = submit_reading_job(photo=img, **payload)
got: {"hour": 10, "minute": 57, "second": 29}
